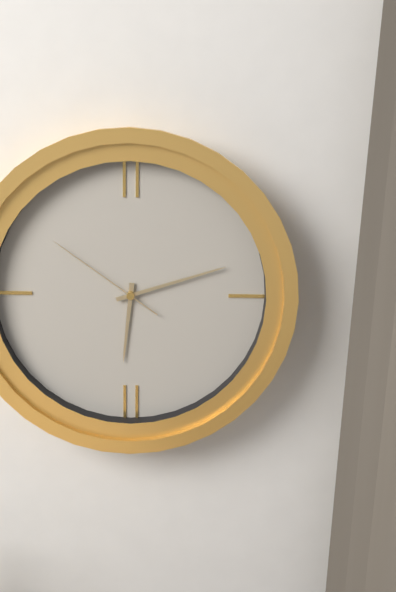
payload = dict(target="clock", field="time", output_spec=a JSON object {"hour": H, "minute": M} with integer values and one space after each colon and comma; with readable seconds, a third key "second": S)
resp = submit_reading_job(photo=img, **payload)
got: {"hour": 6, "minute": 12, "second": 51}
